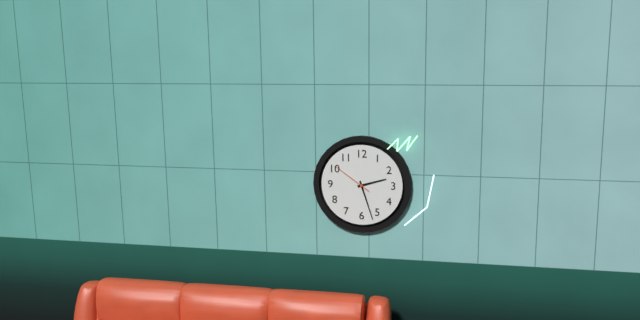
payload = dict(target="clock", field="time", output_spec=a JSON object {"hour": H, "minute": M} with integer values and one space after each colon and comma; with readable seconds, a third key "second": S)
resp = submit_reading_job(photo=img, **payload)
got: {"hour": 2, "minute": 27}
